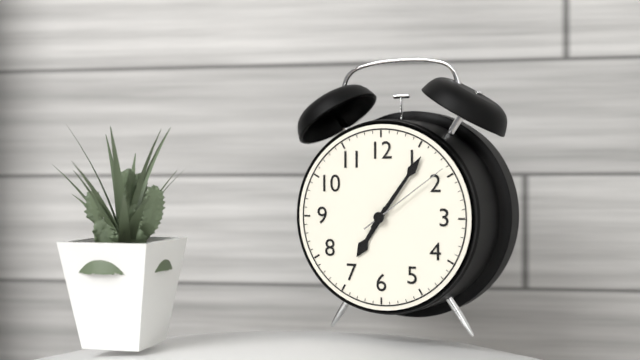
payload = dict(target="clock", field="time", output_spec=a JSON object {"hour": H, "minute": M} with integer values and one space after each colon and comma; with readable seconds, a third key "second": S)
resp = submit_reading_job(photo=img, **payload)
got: {"hour": 7, "minute": 6, "second": 9}
